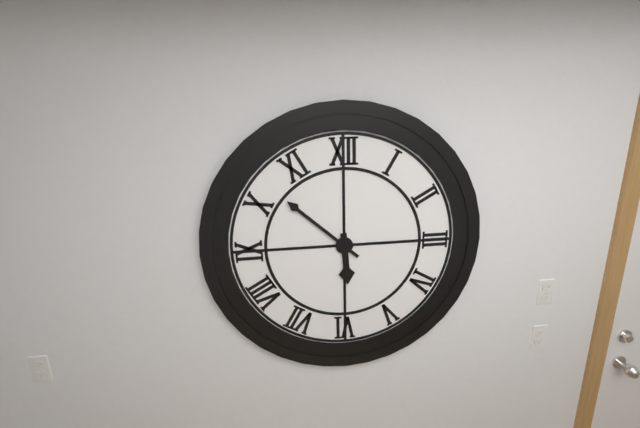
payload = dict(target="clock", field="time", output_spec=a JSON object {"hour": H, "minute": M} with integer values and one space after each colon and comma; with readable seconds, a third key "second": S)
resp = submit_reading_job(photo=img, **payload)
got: {"hour": 5, "minute": 52}
